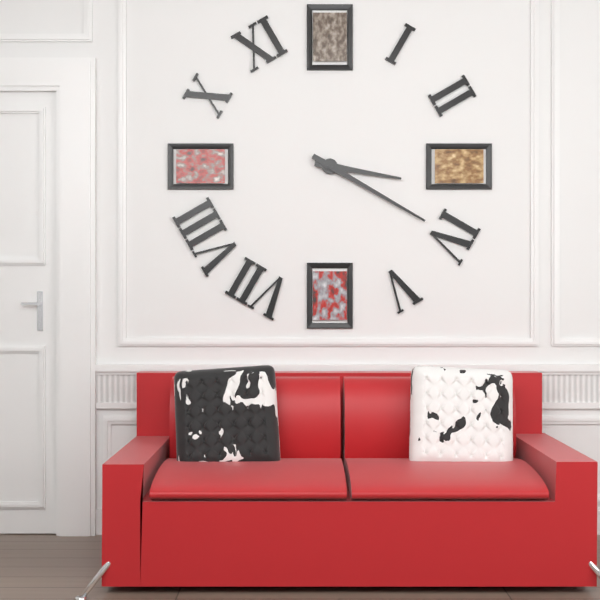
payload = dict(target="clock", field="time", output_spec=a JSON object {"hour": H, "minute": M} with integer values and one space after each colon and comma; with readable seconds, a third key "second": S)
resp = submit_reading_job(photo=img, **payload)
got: {"hour": 3, "minute": 20}
